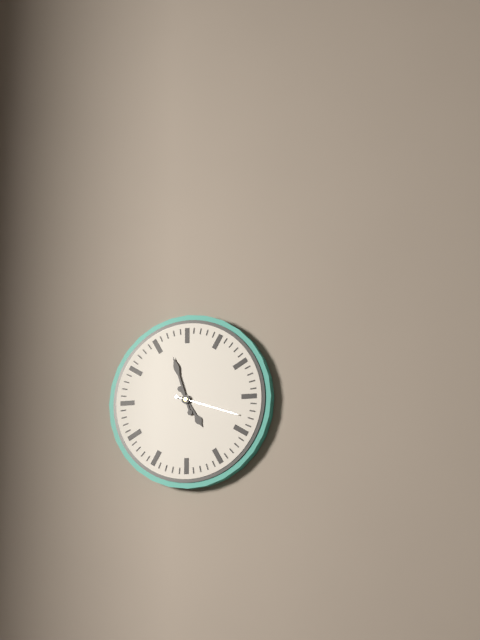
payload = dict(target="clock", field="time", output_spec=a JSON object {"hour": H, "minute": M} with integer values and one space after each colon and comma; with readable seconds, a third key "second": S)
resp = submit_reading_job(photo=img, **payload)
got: {"hour": 4, "minute": 57, "second": 18}
